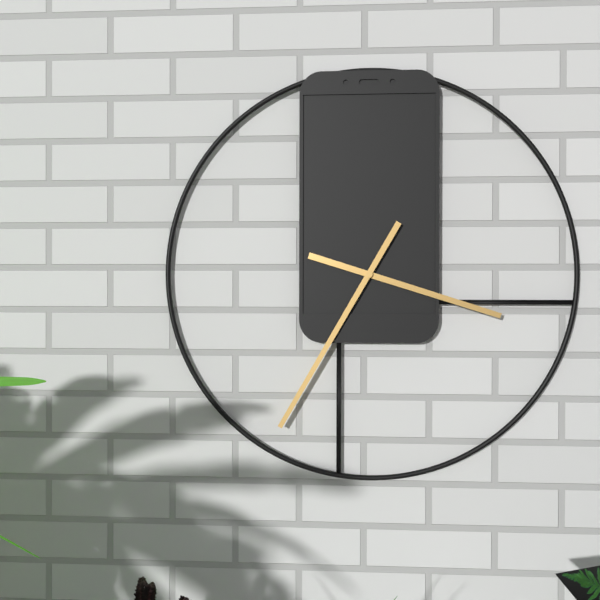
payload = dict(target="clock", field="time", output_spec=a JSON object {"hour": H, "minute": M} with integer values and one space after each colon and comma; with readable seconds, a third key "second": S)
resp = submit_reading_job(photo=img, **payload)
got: {"hour": 3, "minute": 35}
